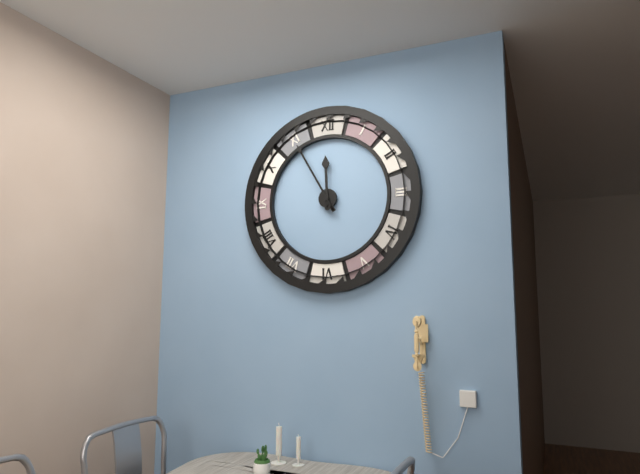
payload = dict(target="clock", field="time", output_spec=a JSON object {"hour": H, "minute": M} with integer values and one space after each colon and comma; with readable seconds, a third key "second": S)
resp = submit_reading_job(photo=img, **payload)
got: {"hour": 11, "minute": 55}
